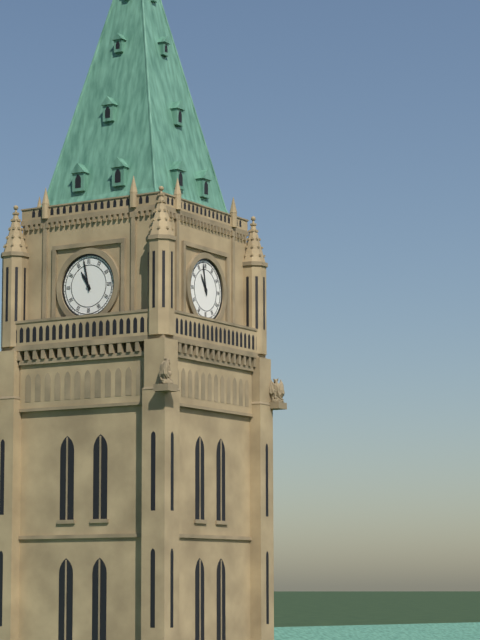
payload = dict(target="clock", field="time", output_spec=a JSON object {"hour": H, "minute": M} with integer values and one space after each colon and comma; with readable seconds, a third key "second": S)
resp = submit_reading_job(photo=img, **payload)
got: {"hour": 10, "minute": 58}
